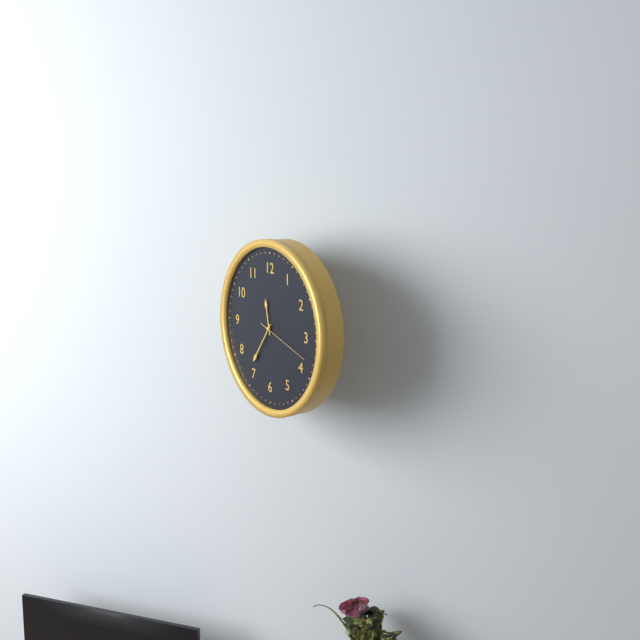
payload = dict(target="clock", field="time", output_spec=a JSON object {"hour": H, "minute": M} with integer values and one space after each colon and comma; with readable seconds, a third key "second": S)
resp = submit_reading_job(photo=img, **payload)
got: {"hour": 11, "minute": 36}
